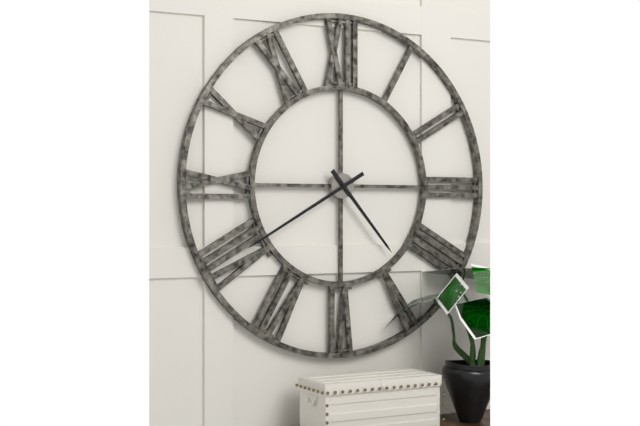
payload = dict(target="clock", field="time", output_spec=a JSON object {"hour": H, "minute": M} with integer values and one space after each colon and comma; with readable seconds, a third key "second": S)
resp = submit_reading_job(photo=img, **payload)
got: {"hour": 4, "minute": 40}
